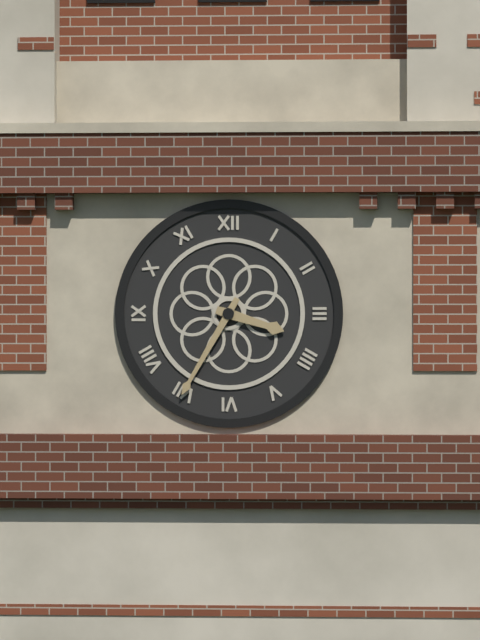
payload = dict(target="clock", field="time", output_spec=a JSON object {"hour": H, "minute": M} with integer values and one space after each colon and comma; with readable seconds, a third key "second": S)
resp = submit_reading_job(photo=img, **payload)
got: {"hour": 3, "minute": 35}
